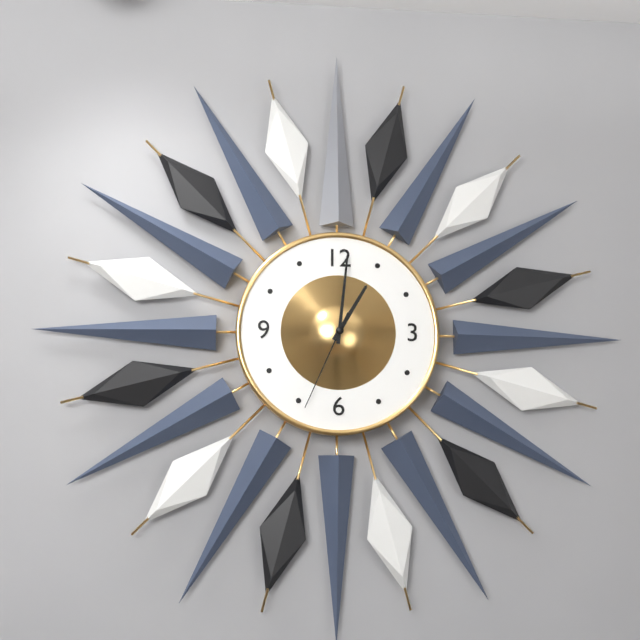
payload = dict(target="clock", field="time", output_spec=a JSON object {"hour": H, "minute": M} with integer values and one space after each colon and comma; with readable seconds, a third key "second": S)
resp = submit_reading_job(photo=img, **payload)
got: {"hour": 1, "minute": 1, "second": 34}
